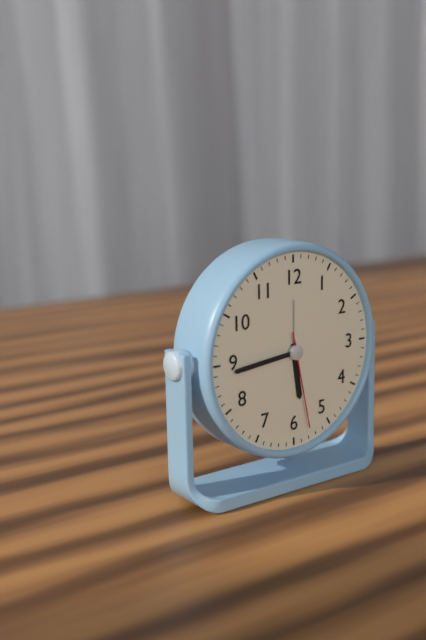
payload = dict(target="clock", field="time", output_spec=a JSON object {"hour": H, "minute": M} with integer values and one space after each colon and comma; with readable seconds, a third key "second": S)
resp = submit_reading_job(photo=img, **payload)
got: {"hour": 5, "minute": 44, "second": 28}
